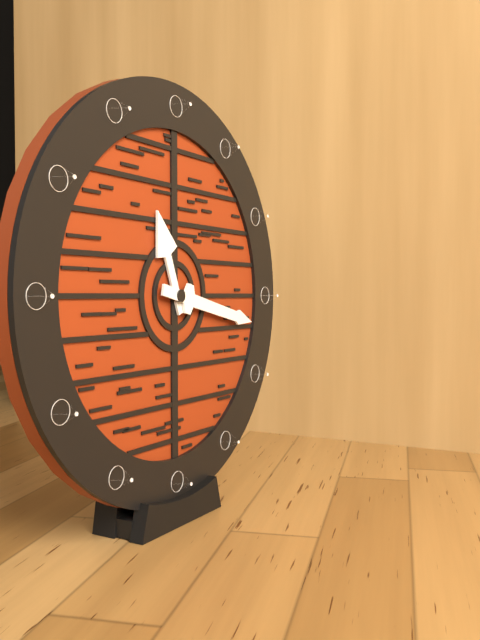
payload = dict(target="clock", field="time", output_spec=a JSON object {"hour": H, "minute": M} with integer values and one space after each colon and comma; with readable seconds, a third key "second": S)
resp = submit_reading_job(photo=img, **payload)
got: {"hour": 11, "minute": 17}
